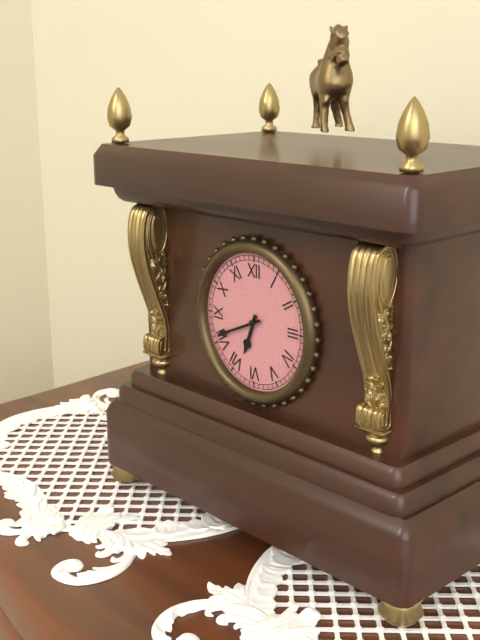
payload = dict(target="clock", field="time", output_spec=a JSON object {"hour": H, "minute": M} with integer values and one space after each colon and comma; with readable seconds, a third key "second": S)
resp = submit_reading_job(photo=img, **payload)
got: {"hour": 6, "minute": 41}
